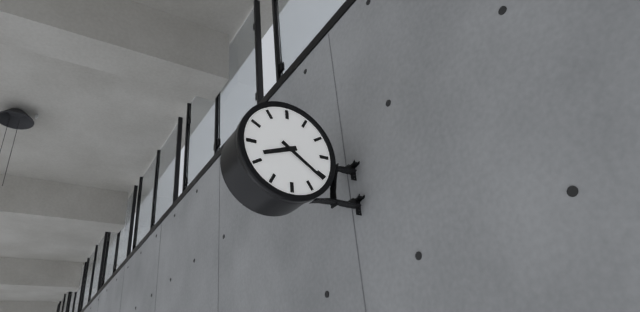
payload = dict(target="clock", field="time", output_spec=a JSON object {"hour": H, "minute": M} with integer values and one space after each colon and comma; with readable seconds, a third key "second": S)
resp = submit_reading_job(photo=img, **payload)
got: {"hour": 8, "minute": 21}
